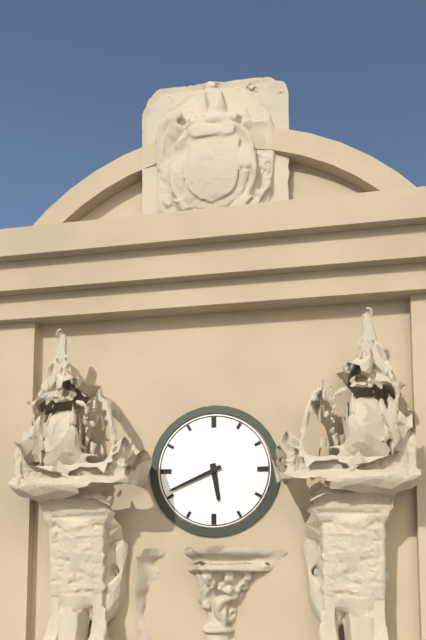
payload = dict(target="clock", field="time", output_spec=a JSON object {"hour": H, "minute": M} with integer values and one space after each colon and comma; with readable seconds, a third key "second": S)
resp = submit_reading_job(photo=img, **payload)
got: {"hour": 5, "minute": 41}
